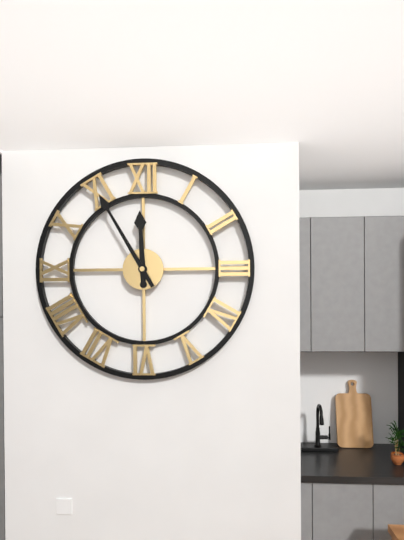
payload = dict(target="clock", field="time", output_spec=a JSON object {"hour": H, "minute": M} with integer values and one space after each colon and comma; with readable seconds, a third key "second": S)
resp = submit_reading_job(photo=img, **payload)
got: {"hour": 11, "minute": 55}
